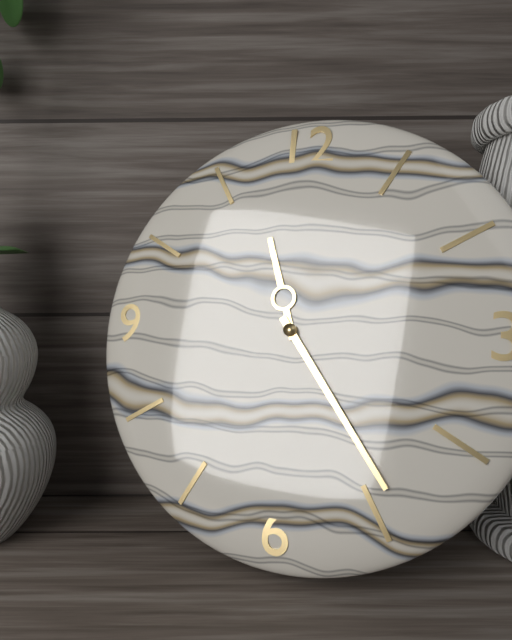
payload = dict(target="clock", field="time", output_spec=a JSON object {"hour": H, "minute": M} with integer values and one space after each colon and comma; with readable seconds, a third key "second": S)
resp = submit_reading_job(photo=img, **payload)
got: {"hour": 11, "minute": 24}
